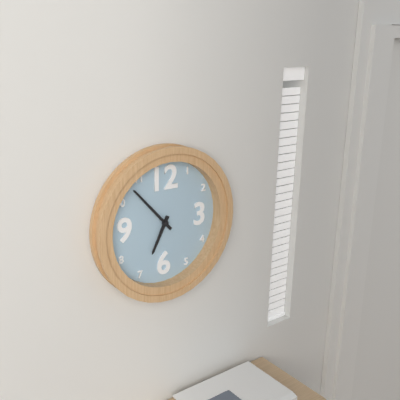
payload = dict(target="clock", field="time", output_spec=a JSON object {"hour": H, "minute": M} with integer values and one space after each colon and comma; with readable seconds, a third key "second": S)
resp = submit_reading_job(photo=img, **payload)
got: {"hour": 6, "minute": 53}
